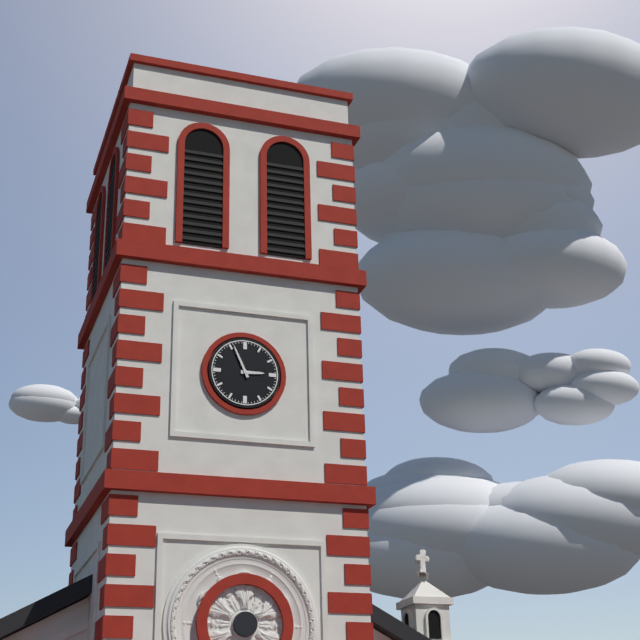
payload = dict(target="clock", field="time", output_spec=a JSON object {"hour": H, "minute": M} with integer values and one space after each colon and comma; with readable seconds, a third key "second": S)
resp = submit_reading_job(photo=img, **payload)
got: {"hour": 2, "minute": 56}
